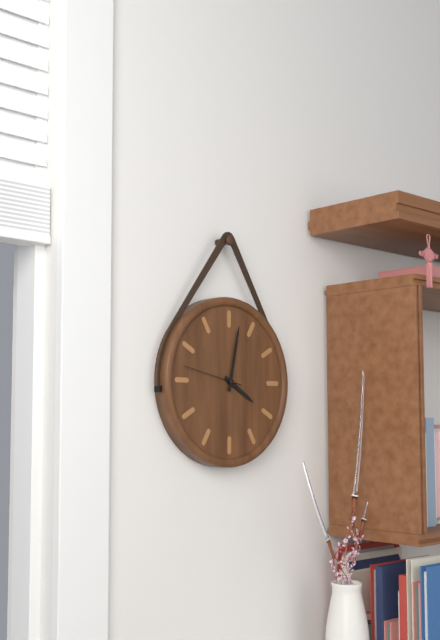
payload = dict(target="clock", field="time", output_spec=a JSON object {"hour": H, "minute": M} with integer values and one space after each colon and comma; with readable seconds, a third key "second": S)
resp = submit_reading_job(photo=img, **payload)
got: {"hour": 4, "minute": 2, "second": 47}
